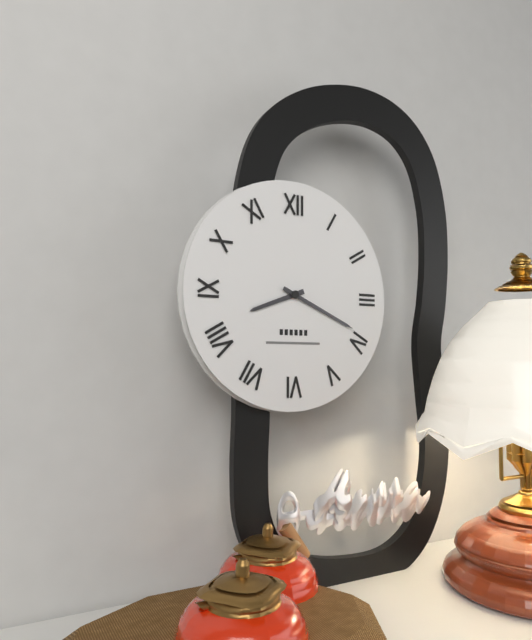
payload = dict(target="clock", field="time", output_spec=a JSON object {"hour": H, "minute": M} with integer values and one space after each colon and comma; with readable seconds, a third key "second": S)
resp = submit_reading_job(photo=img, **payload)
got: {"hour": 8, "minute": 19}
